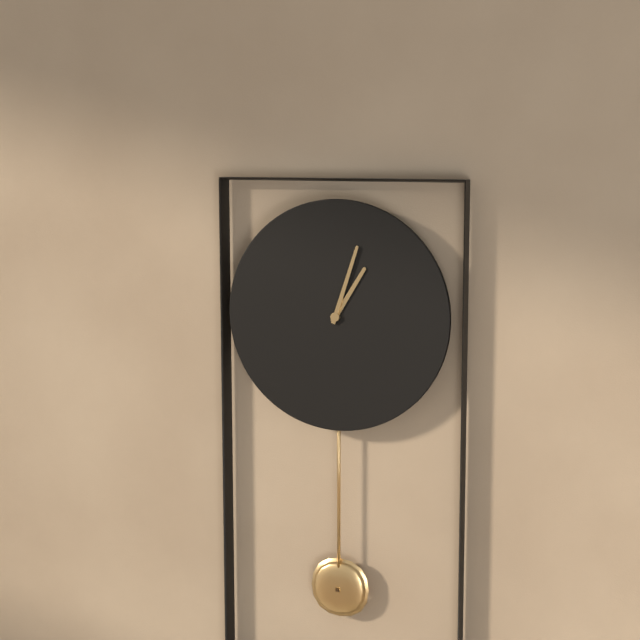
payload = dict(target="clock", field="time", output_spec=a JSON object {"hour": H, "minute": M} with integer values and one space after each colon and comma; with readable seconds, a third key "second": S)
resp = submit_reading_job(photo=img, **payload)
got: {"hour": 1, "minute": 3}
